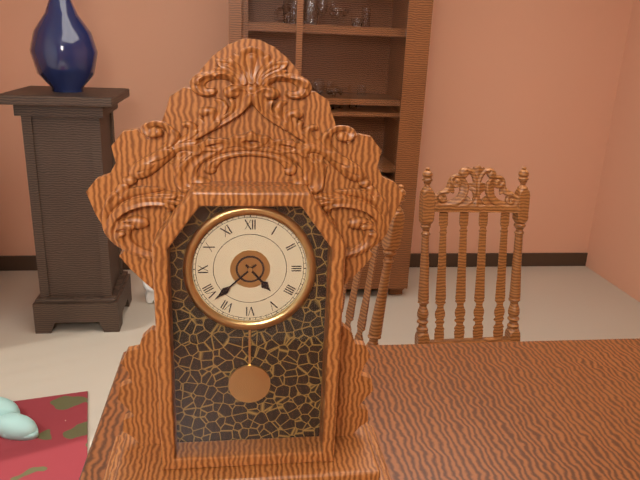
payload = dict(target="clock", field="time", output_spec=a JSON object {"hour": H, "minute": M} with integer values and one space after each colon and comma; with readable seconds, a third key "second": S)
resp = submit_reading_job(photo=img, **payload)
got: {"hour": 4, "minute": 38}
